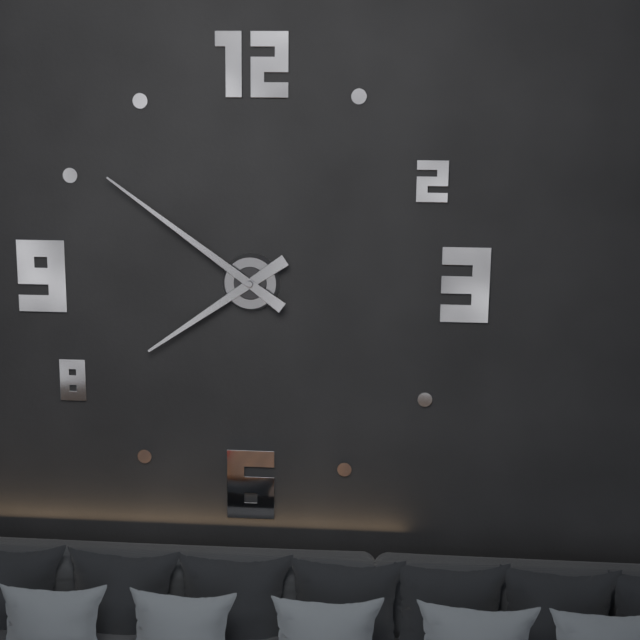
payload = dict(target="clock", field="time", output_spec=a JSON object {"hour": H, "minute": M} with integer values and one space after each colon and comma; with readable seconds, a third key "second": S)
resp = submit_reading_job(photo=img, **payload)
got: {"hour": 7, "minute": 51}
